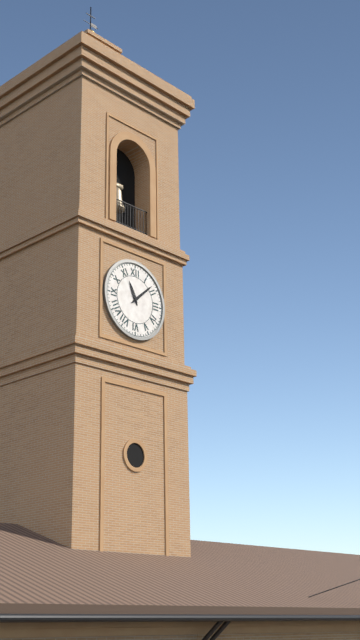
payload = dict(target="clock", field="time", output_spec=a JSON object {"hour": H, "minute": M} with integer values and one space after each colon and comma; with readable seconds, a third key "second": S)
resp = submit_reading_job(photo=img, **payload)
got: {"hour": 11, "minute": 8}
